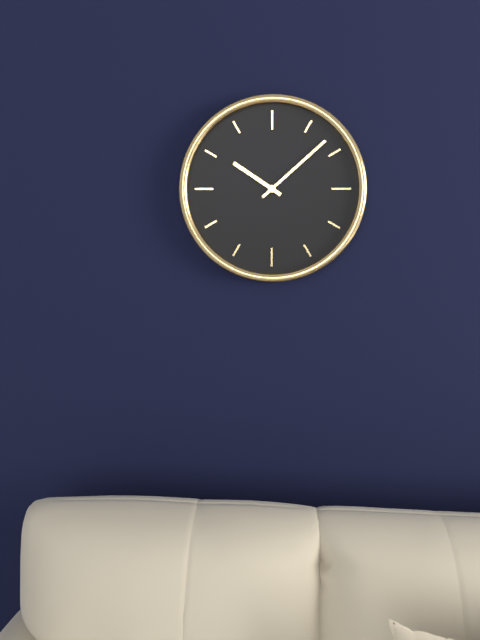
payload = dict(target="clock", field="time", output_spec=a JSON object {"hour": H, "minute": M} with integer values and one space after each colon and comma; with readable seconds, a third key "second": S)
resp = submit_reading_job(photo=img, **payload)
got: {"hour": 10, "minute": 8}
